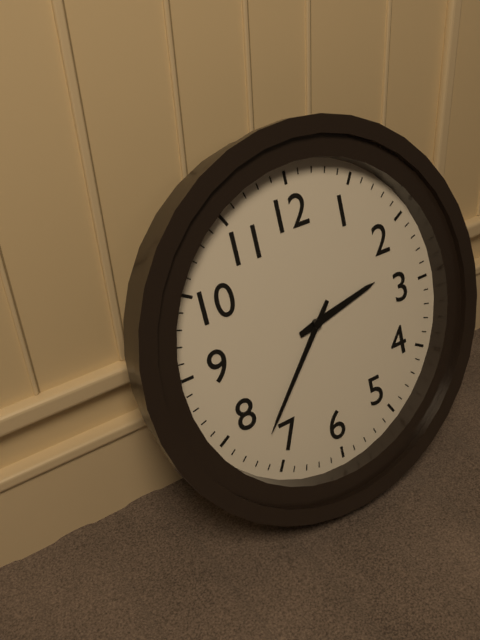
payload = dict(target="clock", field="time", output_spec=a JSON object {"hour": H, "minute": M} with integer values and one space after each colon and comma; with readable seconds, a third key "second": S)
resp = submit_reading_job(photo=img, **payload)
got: {"hour": 2, "minute": 37}
